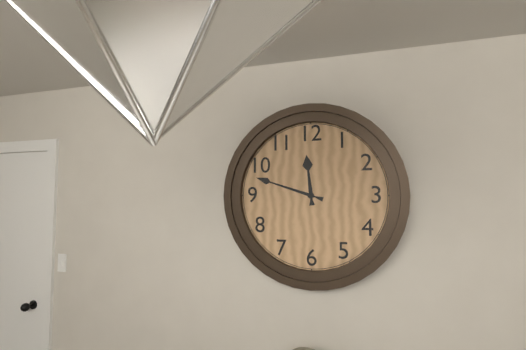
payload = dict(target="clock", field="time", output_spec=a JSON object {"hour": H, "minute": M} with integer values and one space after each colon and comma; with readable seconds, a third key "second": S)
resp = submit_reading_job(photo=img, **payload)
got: {"hour": 11, "minute": 48}
